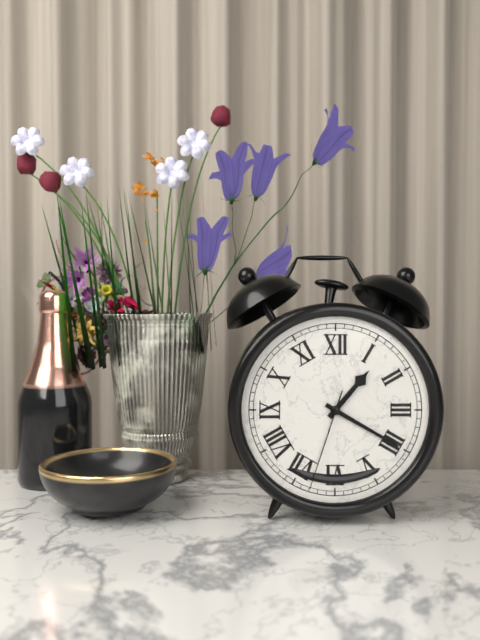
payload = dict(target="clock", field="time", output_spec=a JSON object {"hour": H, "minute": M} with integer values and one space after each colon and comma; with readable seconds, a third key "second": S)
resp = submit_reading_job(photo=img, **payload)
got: {"hour": 1, "minute": 20, "second": 33}
